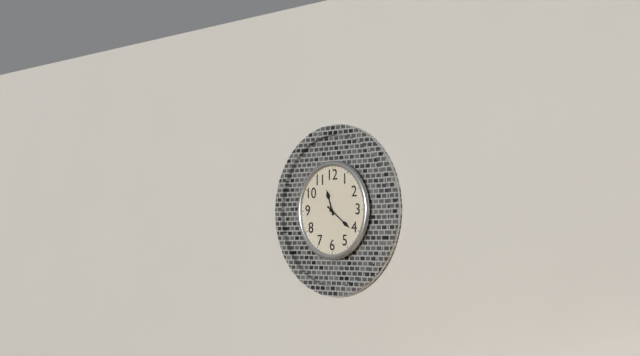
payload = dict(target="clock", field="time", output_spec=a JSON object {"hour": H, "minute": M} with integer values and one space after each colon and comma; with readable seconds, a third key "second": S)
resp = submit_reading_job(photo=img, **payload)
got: {"hour": 11, "minute": 21}
